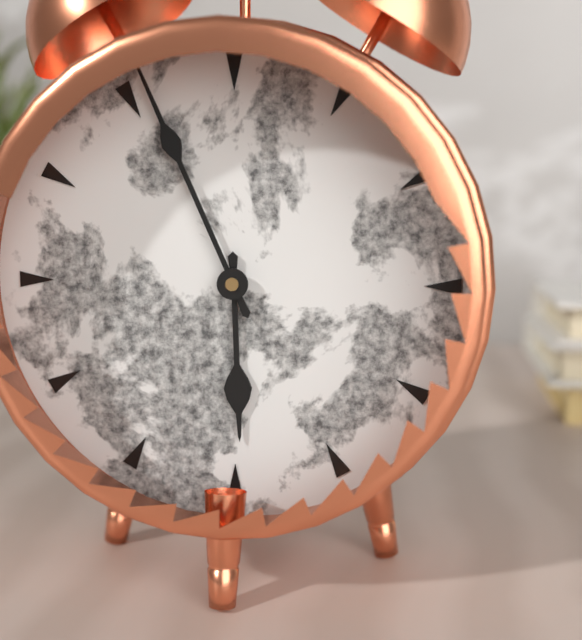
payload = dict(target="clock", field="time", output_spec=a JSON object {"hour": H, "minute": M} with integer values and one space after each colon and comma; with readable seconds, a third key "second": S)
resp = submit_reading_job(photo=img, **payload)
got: {"hour": 5, "minute": 56}
